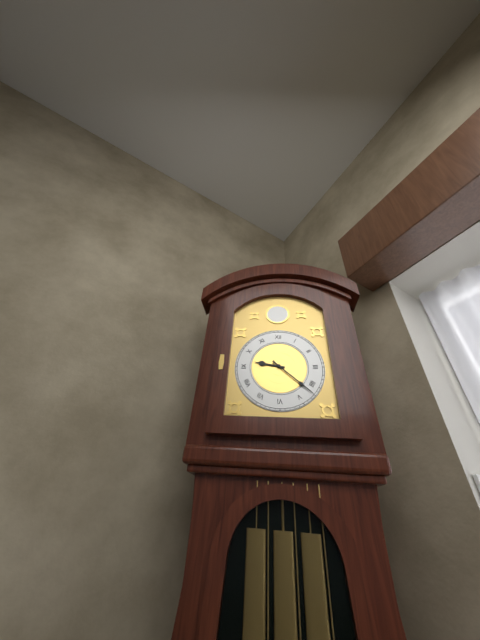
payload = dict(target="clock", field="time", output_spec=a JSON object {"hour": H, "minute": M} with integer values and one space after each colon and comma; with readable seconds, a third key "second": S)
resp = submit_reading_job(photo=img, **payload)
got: {"hour": 9, "minute": 22}
